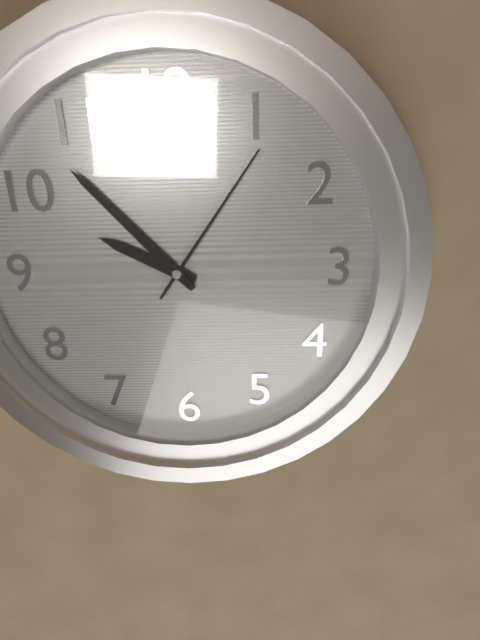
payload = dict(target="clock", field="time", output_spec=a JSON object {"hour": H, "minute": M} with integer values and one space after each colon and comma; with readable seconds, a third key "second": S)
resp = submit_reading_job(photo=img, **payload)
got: {"hour": 9, "minute": 53, "second": 6}
